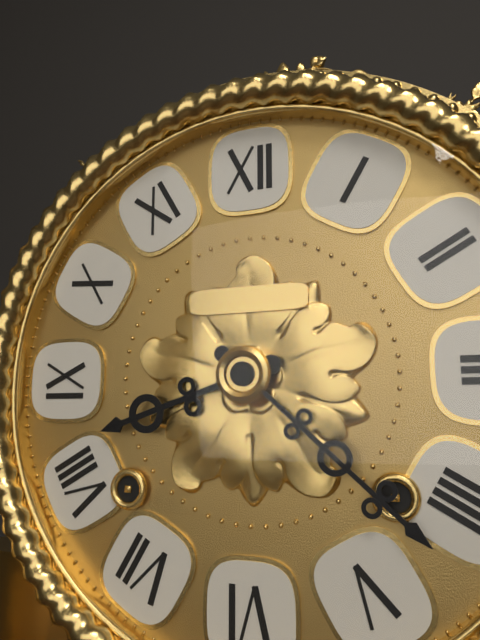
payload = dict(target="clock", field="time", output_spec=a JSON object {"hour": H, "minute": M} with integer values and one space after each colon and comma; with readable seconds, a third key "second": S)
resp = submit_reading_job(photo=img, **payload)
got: {"hour": 8, "minute": 22}
